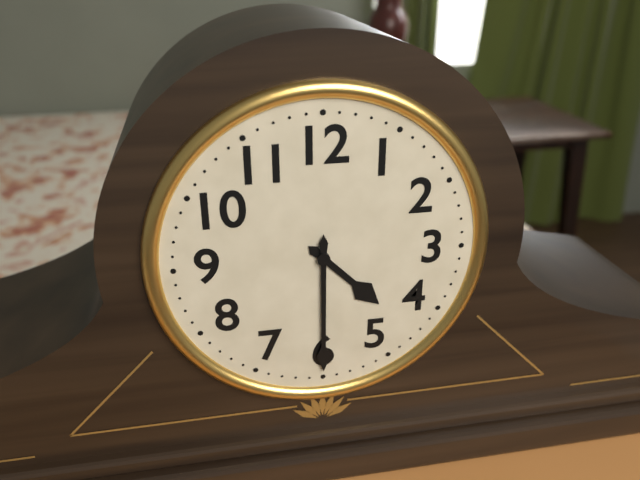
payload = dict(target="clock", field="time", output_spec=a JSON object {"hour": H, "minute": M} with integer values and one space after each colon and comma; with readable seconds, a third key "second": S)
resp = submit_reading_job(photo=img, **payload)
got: {"hour": 4, "minute": 30}
